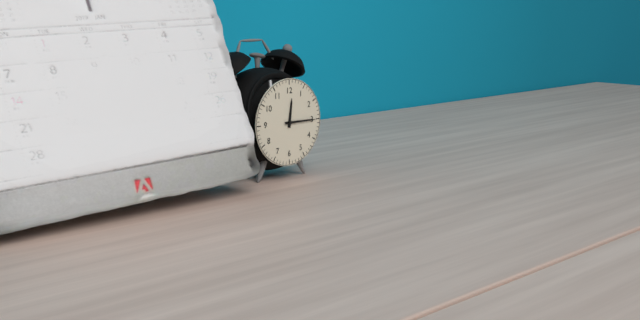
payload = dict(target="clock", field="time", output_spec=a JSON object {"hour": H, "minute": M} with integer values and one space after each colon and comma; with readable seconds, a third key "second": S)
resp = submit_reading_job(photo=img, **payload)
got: {"hour": 12, "minute": 15}
